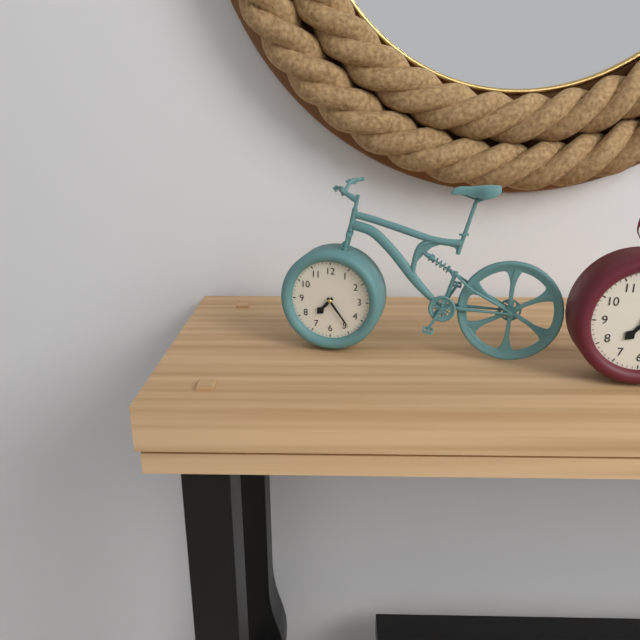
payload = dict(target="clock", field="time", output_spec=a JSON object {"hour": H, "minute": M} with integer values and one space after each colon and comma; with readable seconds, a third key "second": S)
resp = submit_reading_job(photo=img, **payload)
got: {"hour": 7, "minute": 24}
